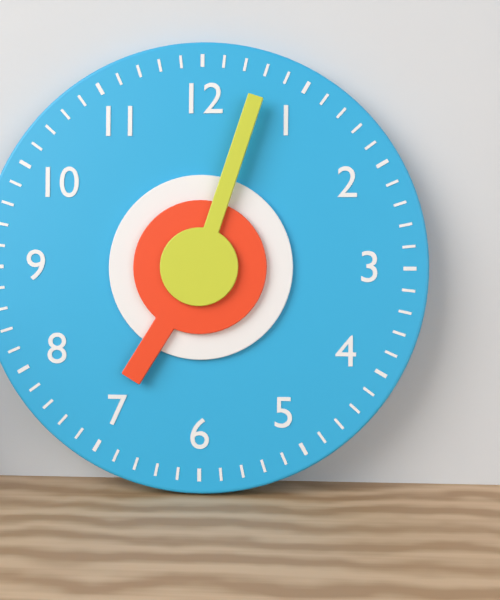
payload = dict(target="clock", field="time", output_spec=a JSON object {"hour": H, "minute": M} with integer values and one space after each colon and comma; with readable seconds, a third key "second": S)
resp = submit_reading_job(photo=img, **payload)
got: {"hour": 7, "minute": 3}
